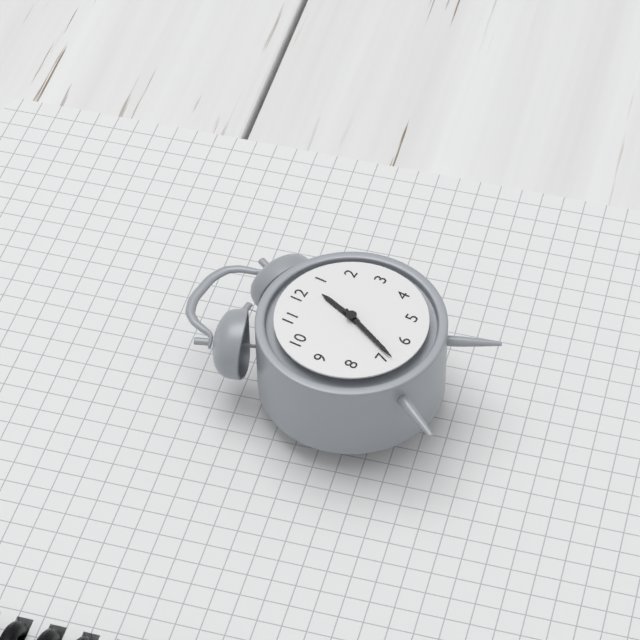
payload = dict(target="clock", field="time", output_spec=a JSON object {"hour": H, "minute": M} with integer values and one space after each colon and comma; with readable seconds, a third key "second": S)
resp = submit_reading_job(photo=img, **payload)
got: {"hour": 12, "minute": 34}
